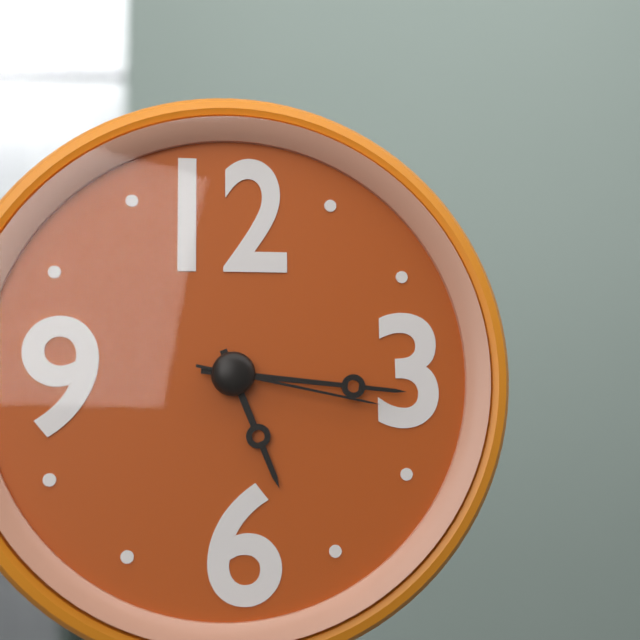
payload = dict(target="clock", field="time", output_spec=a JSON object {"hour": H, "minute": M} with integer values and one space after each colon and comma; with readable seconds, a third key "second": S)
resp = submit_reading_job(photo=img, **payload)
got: {"hour": 5, "minute": 16, "second": 17}
